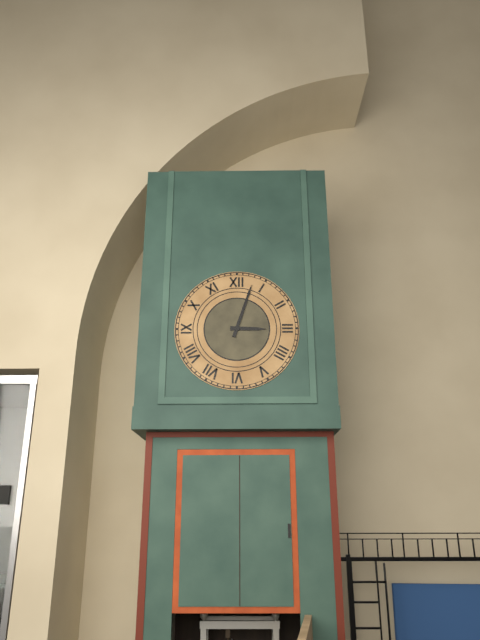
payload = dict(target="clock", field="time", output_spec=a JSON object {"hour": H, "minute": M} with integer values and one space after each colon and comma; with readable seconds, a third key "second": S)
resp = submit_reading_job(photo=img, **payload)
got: {"hour": 3, "minute": 3}
